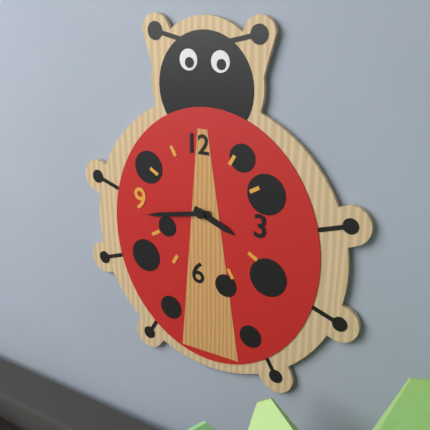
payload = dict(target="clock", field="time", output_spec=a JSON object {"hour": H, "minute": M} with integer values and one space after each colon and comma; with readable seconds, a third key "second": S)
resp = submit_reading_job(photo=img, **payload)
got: {"hour": 3, "minute": 43}
